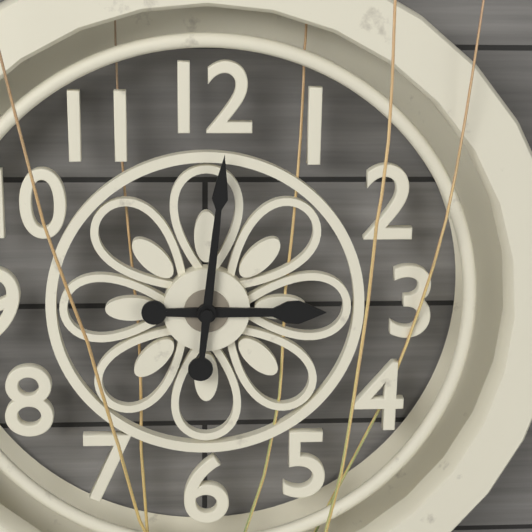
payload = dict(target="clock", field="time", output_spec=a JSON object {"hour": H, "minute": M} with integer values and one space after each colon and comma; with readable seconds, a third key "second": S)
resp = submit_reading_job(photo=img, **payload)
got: {"hour": 3, "minute": 1}
